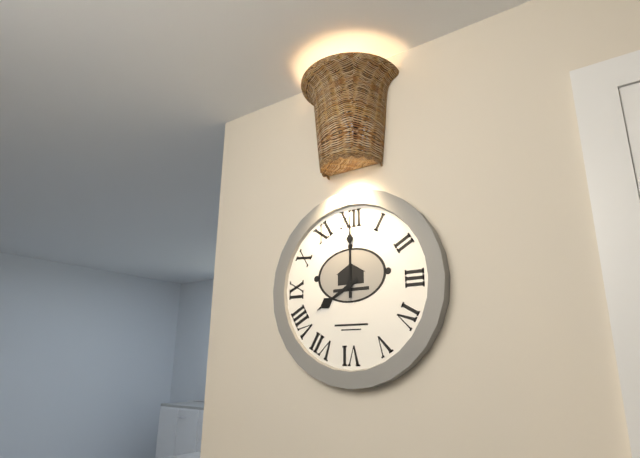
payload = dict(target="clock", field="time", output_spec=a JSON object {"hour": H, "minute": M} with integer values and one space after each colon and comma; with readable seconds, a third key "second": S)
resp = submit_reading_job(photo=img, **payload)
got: {"hour": 8, "minute": 0}
